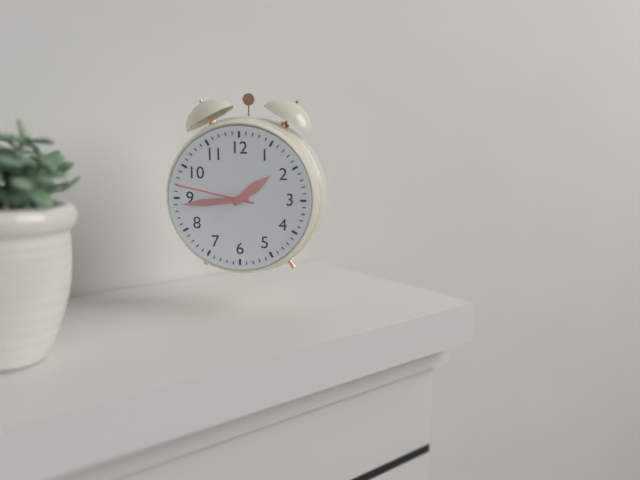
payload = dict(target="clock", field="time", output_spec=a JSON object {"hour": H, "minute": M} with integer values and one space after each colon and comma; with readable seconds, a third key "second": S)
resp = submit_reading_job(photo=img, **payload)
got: {"hour": 1, "minute": 44, "second": 47}
